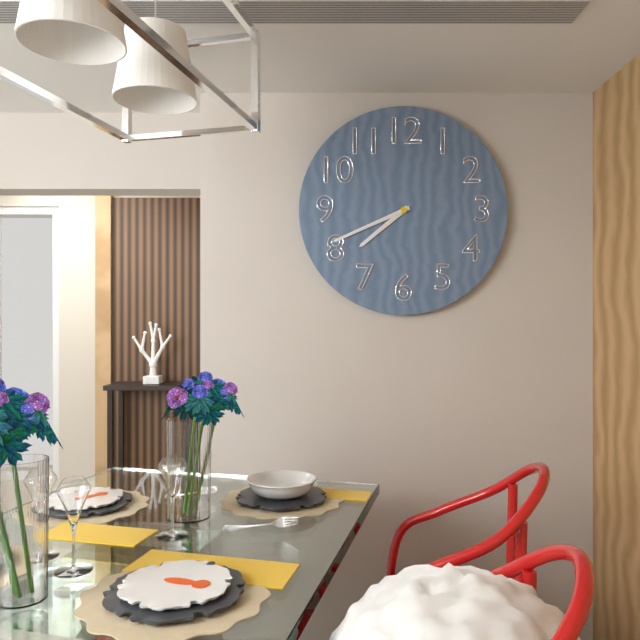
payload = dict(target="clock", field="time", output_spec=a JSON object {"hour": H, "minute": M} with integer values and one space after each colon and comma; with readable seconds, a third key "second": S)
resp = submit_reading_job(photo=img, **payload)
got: {"hour": 7, "minute": 41}
